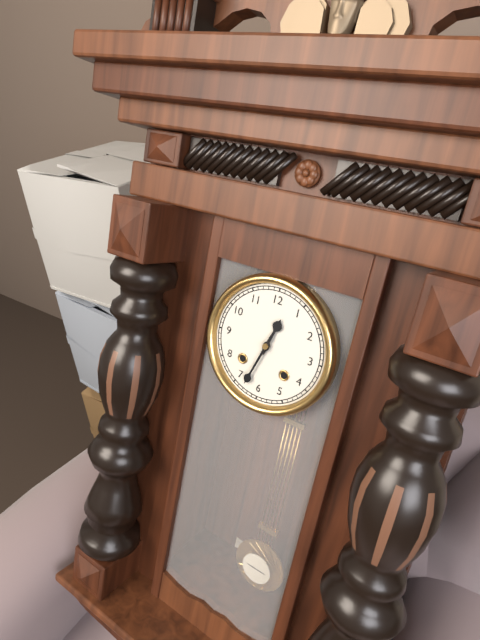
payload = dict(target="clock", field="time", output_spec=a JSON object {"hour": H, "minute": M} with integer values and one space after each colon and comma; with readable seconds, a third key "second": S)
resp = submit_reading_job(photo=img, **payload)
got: {"hour": 12, "minute": 33}
